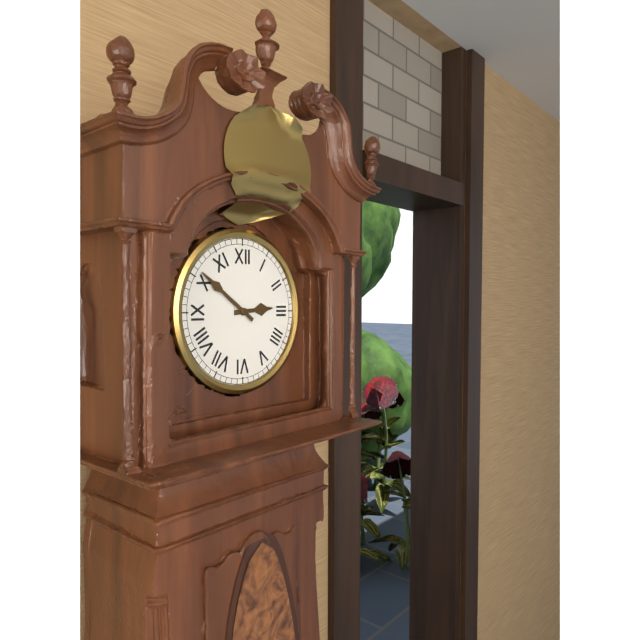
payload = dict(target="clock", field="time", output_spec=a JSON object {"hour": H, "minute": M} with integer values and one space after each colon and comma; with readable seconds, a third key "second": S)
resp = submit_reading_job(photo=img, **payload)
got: {"hour": 2, "minute": 51}
